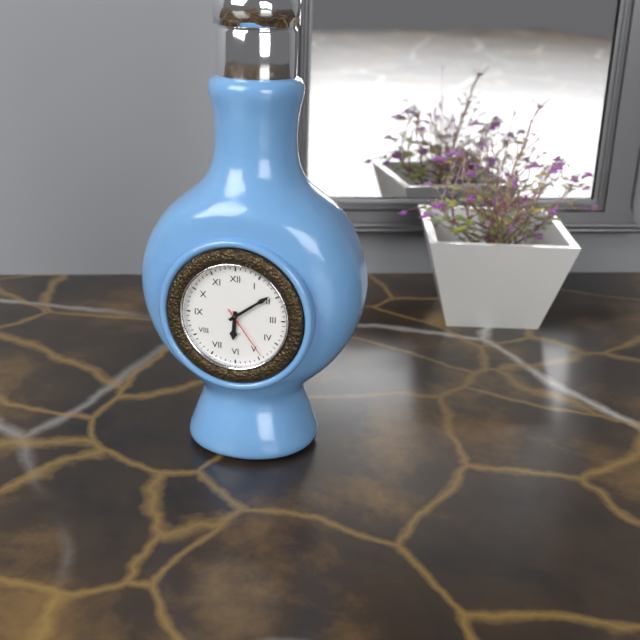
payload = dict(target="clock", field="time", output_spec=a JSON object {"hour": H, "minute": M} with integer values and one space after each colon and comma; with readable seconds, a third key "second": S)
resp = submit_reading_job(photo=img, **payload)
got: {"hour": 6, "minute": 9, "second": 24}
